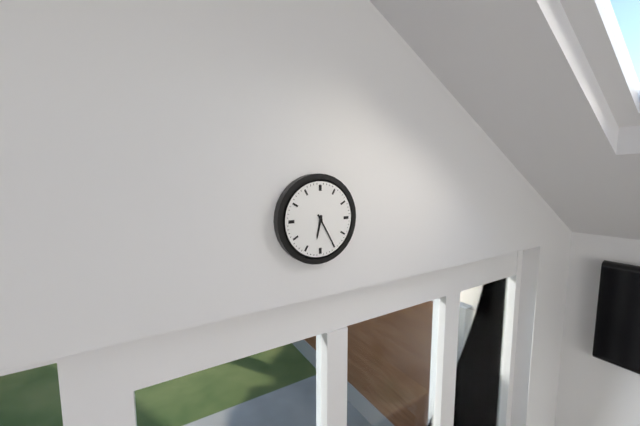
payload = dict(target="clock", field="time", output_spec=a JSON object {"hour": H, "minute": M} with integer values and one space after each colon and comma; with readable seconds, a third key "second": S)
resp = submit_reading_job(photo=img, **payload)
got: {"hour": 6, "minute": 25}
